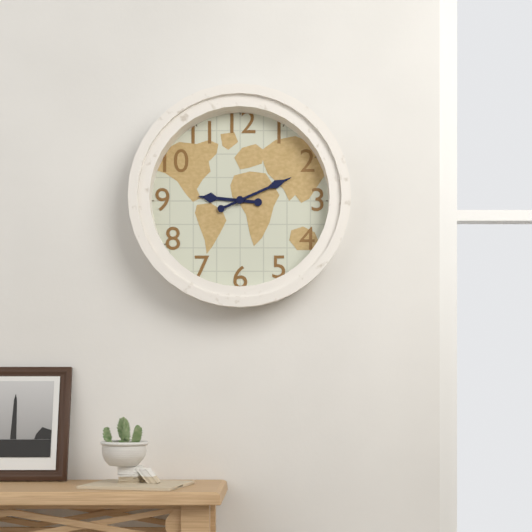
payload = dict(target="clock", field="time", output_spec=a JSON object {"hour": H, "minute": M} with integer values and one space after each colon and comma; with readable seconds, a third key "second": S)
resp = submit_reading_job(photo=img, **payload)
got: {"hour": 9, "minute": 11}
